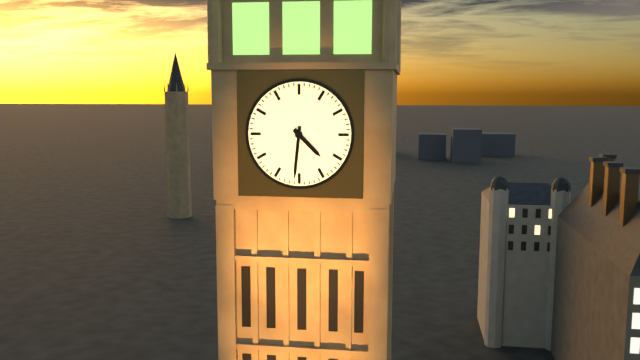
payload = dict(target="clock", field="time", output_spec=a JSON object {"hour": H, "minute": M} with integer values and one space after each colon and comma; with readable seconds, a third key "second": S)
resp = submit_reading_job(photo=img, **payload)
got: {"hour": 4, "minute": 31}
